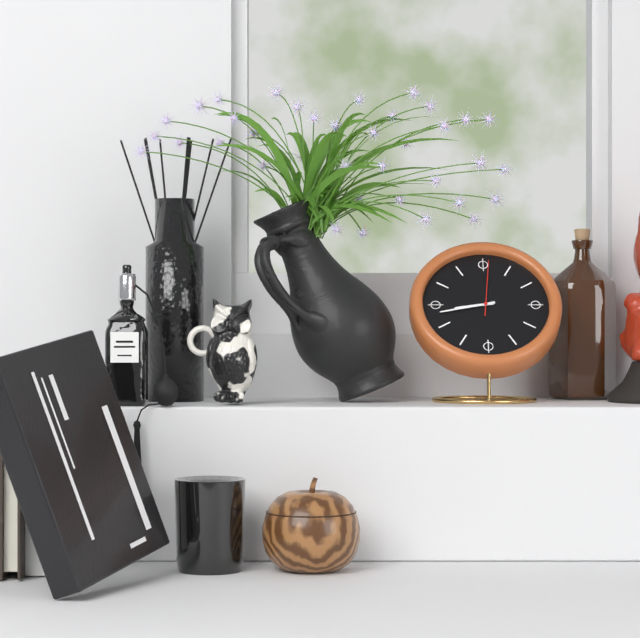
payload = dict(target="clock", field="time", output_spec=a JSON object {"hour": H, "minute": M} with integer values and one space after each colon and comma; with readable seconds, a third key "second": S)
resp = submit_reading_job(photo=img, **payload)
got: {"hour": 8, "minute": 43, "second": 1}
